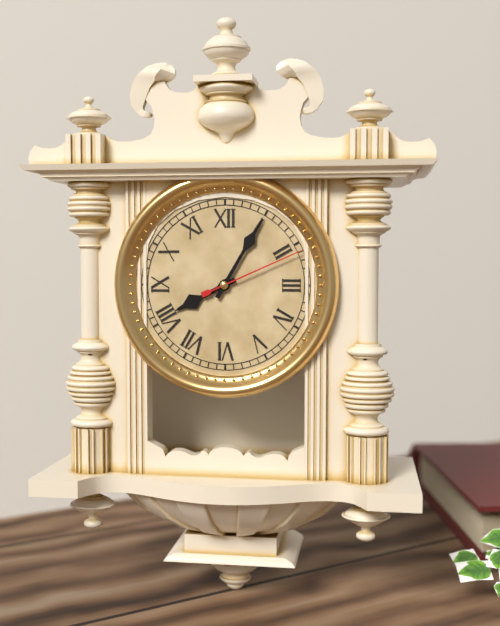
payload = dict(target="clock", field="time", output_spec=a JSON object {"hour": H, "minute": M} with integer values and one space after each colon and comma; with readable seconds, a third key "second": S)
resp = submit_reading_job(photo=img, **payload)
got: {"hour": 8, "minute": 5, "second": 11}
